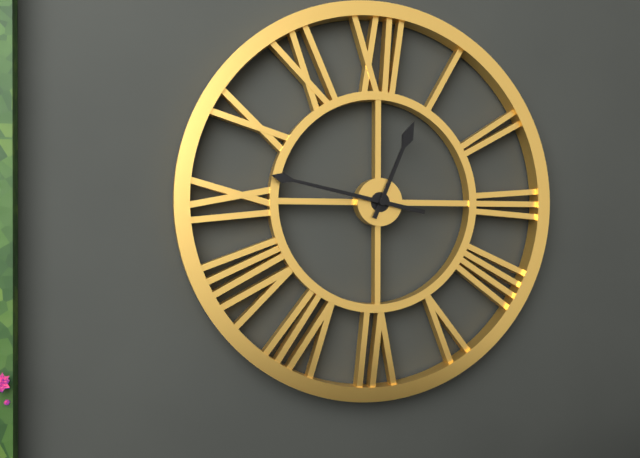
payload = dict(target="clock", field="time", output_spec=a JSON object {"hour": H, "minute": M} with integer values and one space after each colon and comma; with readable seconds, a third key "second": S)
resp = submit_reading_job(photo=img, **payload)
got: {"hour": 12, "minute": 47}
